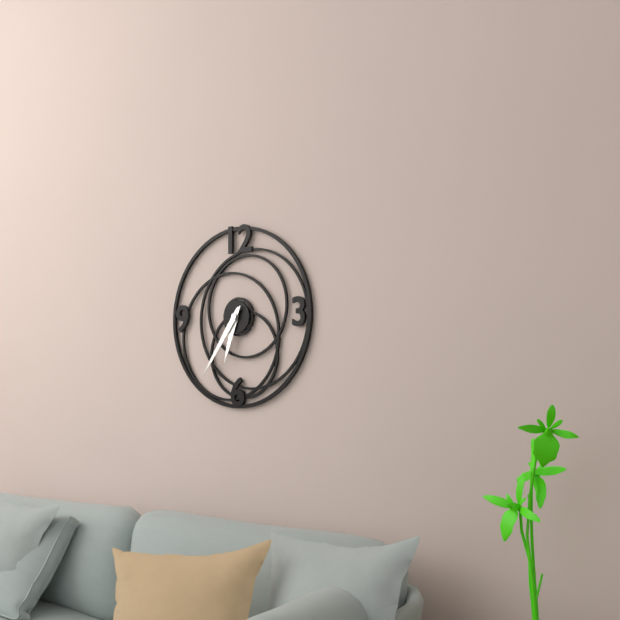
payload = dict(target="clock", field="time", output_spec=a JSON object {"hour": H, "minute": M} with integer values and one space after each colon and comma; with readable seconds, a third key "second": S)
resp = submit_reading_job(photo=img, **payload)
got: {"hour": 6, "minute": 36}
